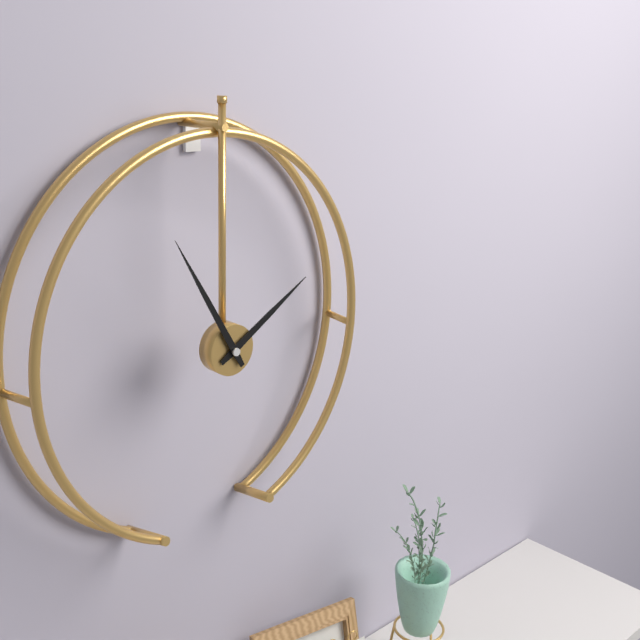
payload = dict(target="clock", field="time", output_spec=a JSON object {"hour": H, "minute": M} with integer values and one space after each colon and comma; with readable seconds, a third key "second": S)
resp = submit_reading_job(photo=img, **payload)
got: {"hour": 1, "minute": 55}
